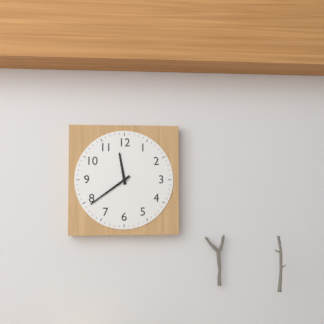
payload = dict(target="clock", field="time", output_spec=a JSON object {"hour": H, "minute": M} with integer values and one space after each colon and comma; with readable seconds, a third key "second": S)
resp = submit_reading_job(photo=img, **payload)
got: {"hour": 11, "minute": 39}
